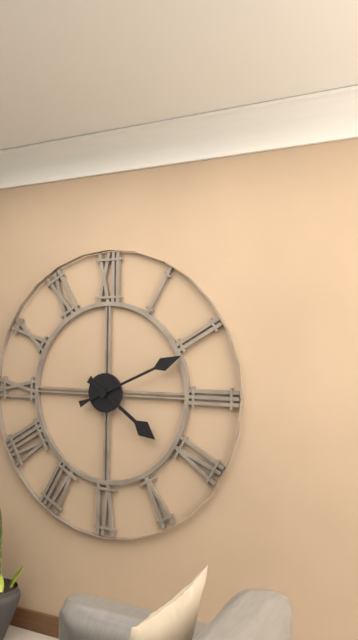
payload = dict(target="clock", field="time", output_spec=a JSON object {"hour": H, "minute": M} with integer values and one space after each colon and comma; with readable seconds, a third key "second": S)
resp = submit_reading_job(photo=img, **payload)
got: {"hour": 4, "minute": 11}
